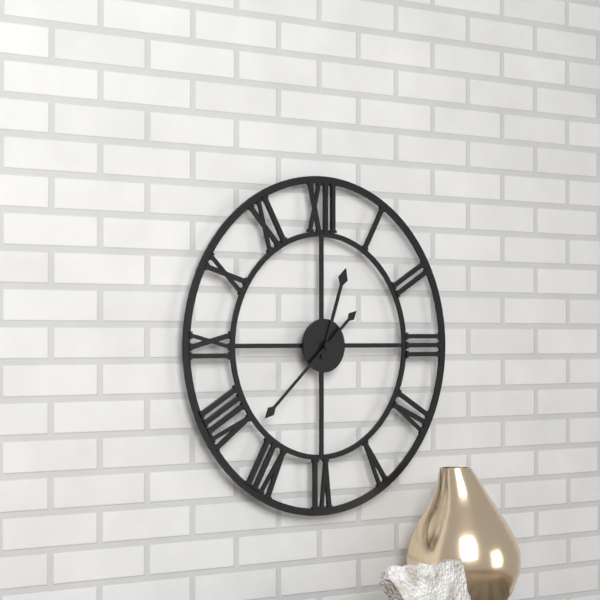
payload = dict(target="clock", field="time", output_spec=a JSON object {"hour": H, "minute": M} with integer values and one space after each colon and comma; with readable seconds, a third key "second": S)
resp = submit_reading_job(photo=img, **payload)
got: {"hour": 12, "minute": 38}
